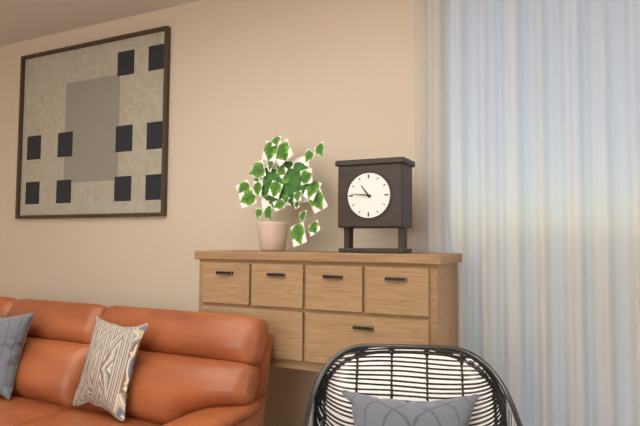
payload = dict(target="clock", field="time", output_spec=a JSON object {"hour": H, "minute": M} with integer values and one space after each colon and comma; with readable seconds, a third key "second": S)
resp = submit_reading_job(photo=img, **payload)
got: {"hour": 10, "minute": 46}
